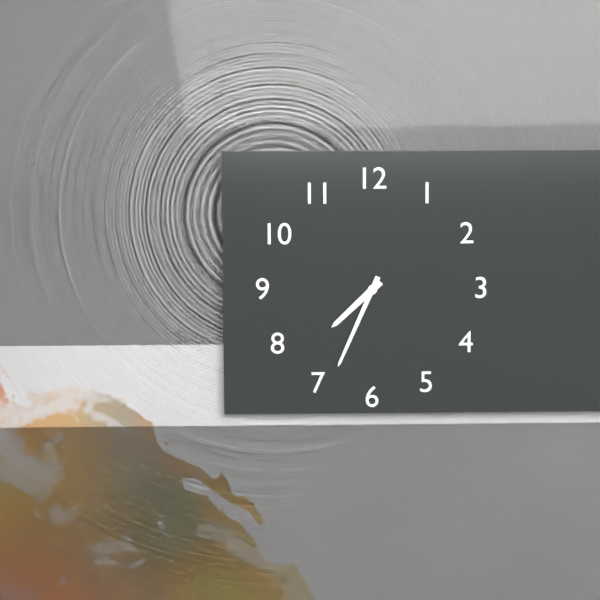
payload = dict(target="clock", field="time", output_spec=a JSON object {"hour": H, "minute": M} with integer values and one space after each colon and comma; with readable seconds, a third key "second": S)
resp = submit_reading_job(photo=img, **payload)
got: {"hour": 7, "minute": 34}
